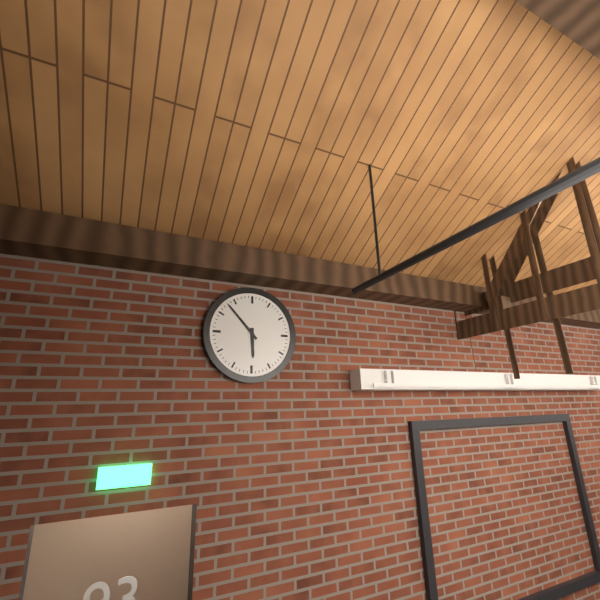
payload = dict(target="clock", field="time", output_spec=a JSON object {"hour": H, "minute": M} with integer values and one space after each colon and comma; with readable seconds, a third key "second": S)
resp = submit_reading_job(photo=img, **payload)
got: {"hour": 5, "minute": 53}
